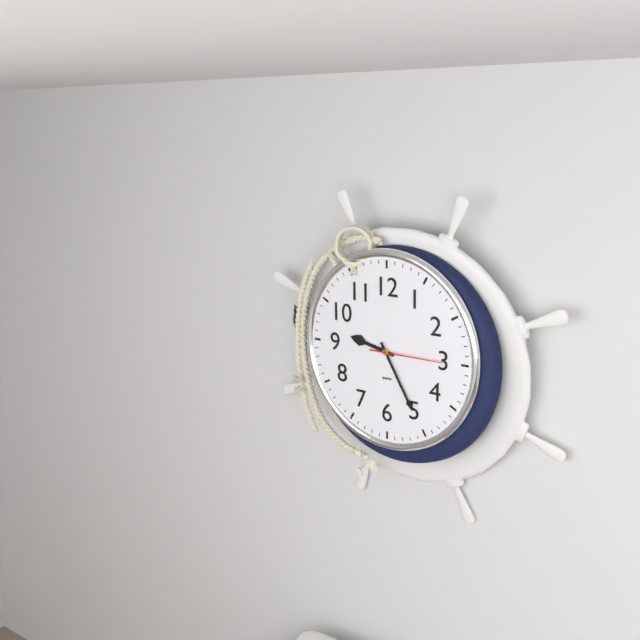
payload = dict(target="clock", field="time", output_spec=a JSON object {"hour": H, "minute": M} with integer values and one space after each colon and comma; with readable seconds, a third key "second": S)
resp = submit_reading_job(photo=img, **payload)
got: {"hour": 9, "minute": 25, "second": 15}
